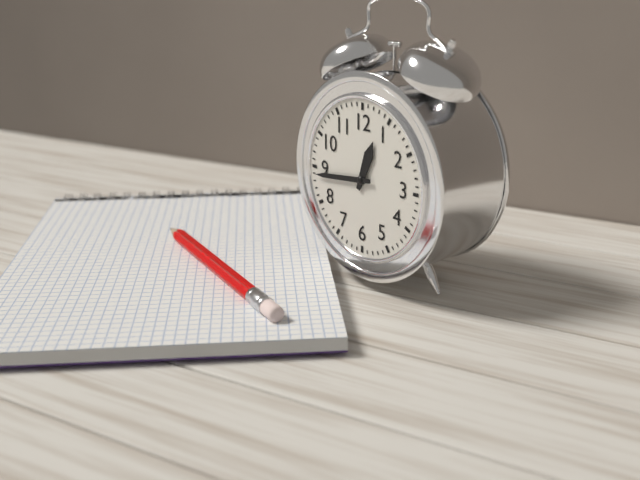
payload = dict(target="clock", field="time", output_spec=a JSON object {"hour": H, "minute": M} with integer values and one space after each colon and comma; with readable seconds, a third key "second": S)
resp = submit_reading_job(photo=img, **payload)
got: {"hour": 12, "minute": 44}
